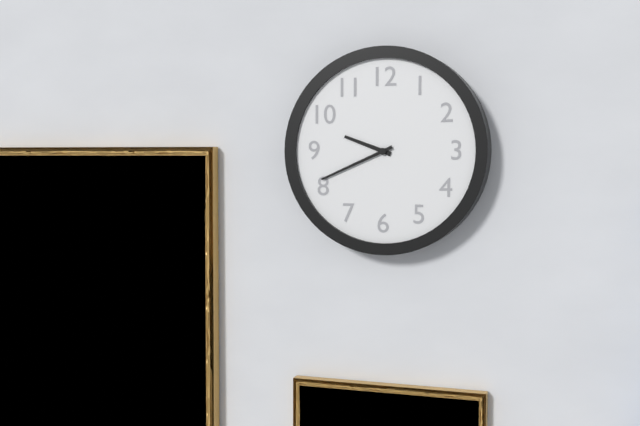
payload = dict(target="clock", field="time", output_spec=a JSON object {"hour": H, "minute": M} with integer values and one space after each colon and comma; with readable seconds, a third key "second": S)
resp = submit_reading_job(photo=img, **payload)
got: {"hour": 9, "minute": 41}
